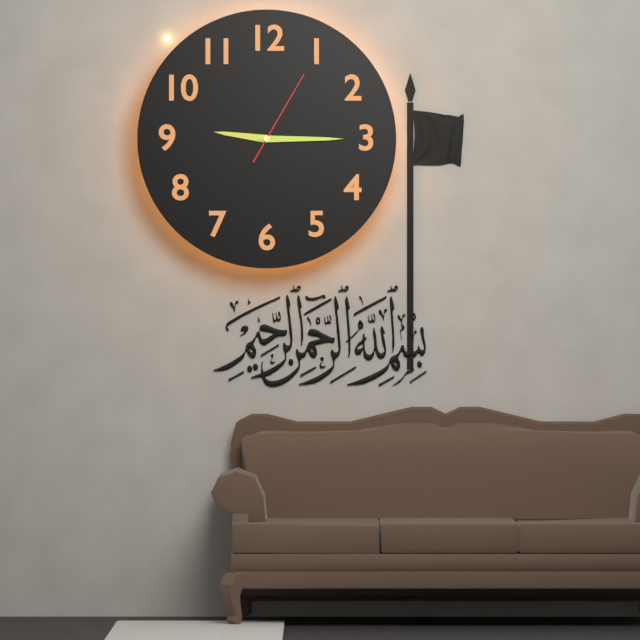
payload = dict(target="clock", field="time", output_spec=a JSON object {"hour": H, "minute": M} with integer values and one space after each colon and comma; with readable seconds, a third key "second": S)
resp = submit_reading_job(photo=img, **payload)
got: {"hour": 9, "minute": 15, "second": 5}
